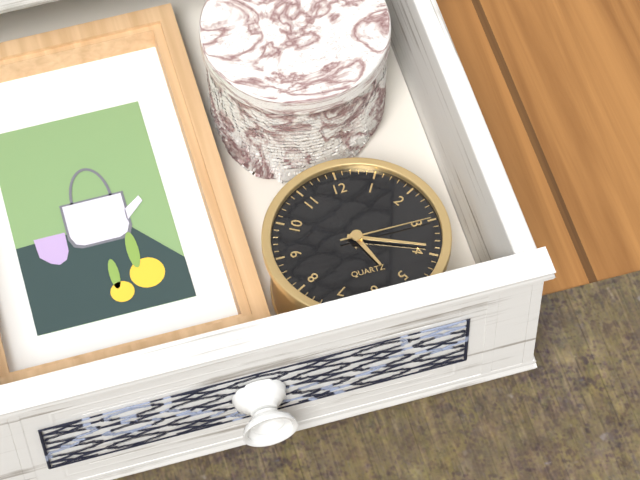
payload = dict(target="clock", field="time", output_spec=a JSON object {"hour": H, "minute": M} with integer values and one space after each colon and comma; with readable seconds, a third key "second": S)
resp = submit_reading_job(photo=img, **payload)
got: {"hour": 5, "minute": 19, "second": 15}
